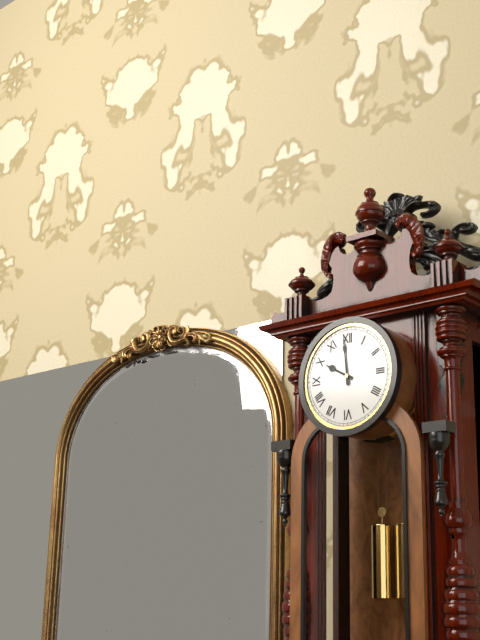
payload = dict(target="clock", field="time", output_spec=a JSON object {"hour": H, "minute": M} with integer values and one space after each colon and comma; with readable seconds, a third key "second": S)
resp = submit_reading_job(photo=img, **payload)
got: {"hour": 9, "minute": 59}
